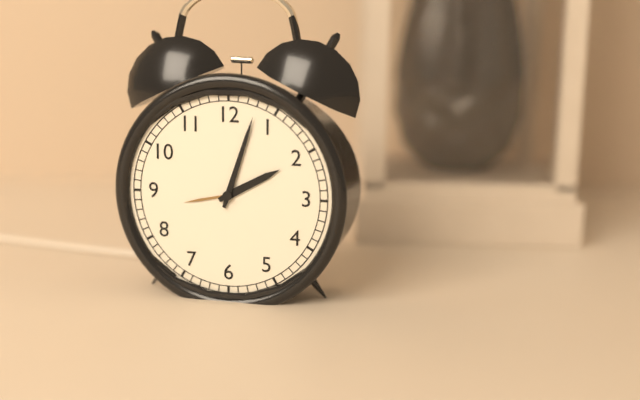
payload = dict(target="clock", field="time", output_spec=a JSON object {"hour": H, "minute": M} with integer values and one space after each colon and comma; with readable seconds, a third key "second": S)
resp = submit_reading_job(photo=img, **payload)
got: {"hour": 2, "minute": 3}
